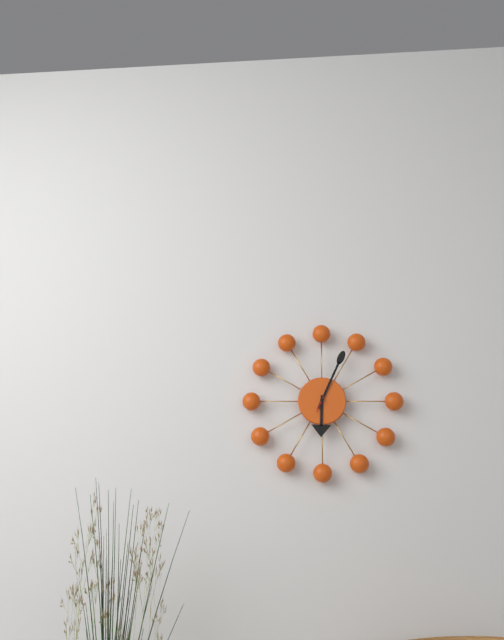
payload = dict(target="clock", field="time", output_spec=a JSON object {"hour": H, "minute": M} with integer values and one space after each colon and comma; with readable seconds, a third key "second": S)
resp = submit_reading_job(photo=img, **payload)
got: {"hour": 6, "minute": 4}
